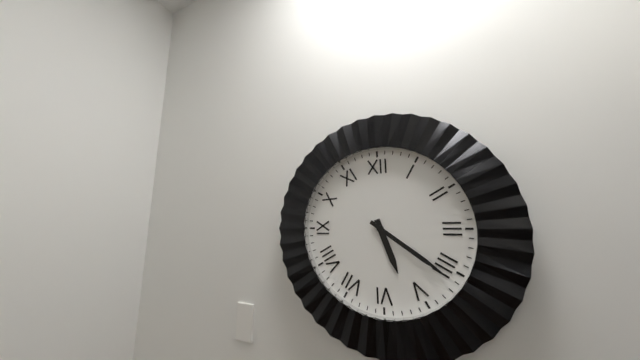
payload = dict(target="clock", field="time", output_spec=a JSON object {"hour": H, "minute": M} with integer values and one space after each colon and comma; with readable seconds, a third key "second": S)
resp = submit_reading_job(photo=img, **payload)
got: {"hour": 5, "minute": 21}
